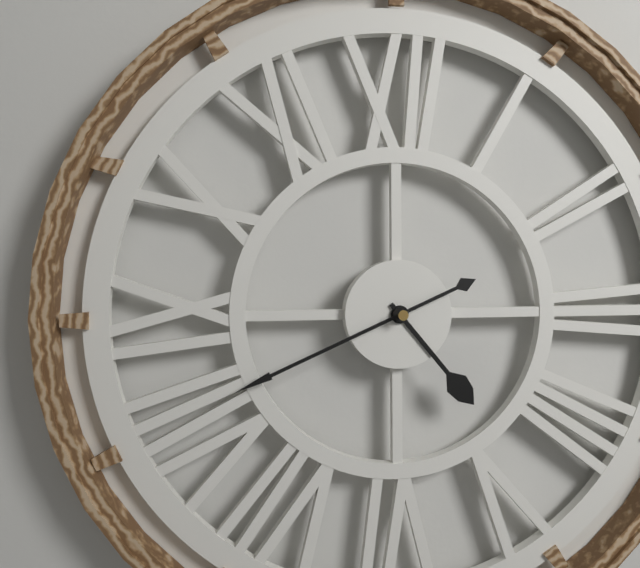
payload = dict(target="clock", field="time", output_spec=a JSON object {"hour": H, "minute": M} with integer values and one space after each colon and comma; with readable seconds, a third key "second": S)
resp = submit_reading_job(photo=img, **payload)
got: {"hour": 4, "minute": 41}
